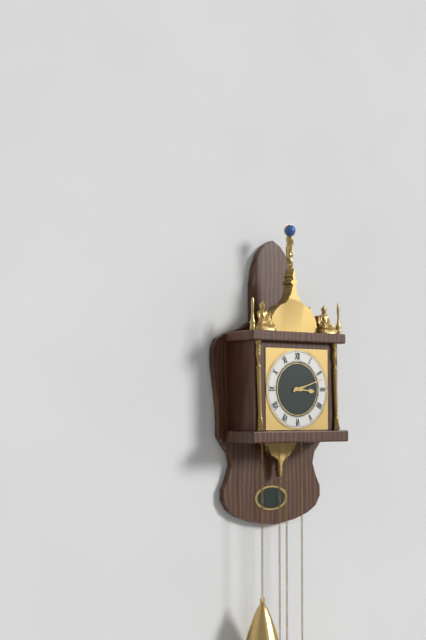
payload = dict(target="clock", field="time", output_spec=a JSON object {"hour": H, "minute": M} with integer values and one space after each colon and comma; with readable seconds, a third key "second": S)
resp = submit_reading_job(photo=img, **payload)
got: {"hour": 3, "minute": 12}
